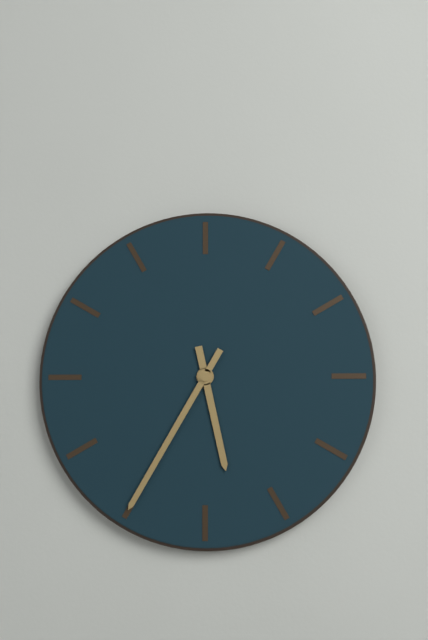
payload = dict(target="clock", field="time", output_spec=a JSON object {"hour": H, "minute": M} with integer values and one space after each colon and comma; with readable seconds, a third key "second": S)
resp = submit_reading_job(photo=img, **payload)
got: {"hour": 5, "minute": 35}
